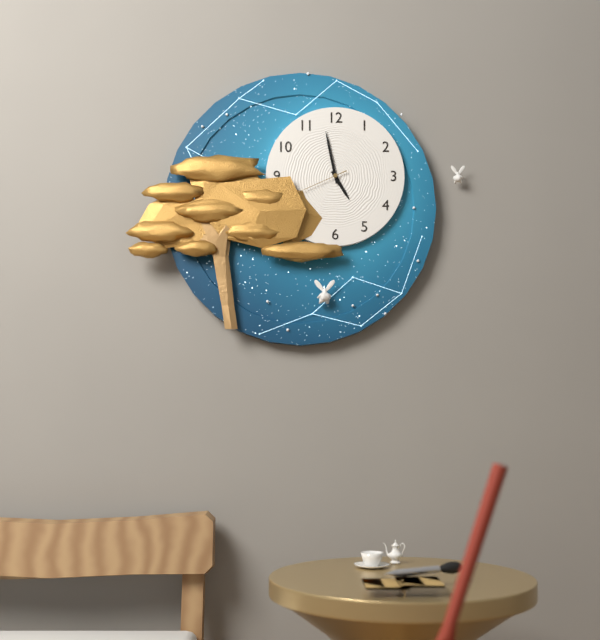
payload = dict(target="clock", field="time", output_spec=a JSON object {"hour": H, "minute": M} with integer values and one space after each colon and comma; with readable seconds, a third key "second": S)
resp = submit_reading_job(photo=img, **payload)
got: {"hour": 4, "minute": 58, "second": 41}
